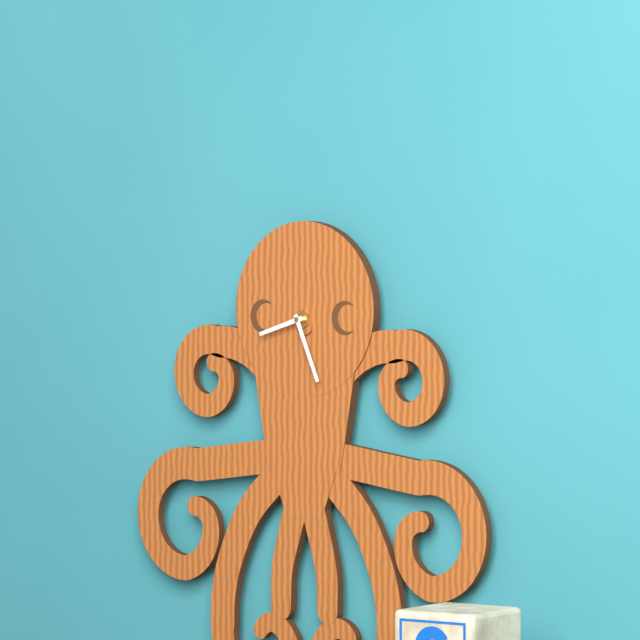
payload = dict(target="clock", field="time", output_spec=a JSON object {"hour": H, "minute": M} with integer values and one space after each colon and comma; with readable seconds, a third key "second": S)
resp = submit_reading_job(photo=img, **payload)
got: {"hour": 8, "minute": 26}
